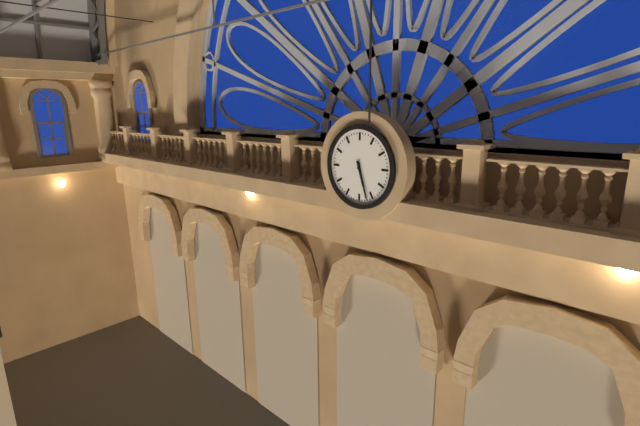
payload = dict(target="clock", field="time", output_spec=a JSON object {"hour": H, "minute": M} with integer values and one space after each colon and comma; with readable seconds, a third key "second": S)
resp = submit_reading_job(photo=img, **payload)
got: {"hour": 5, "minute": 27}
